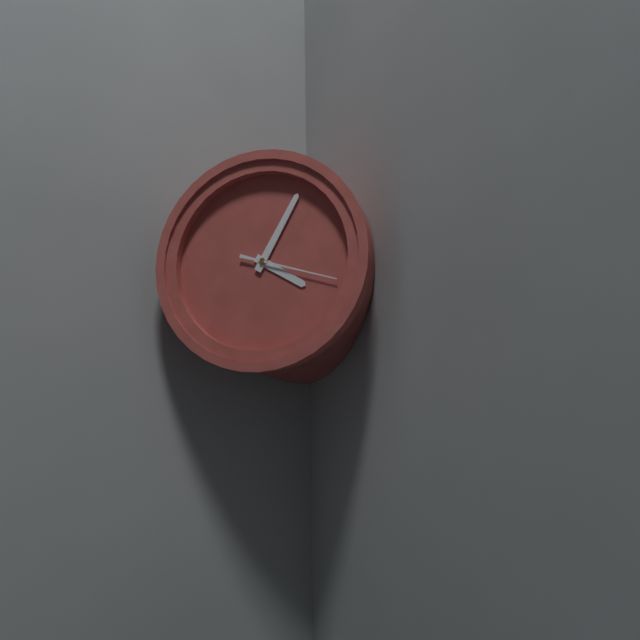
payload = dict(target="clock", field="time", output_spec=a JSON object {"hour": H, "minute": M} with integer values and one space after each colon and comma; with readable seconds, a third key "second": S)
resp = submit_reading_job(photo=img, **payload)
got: {"hour": 4, "minute": 5, "second": 18}
